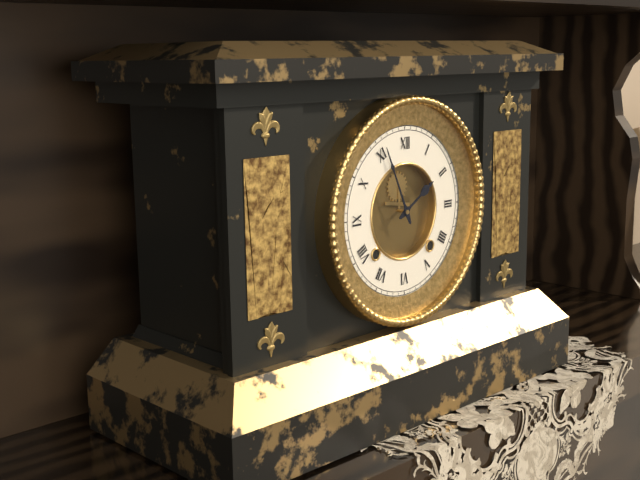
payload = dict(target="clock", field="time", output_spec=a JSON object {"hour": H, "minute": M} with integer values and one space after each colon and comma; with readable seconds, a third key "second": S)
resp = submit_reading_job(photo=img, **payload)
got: {"hour": 1, "minute": 56}
